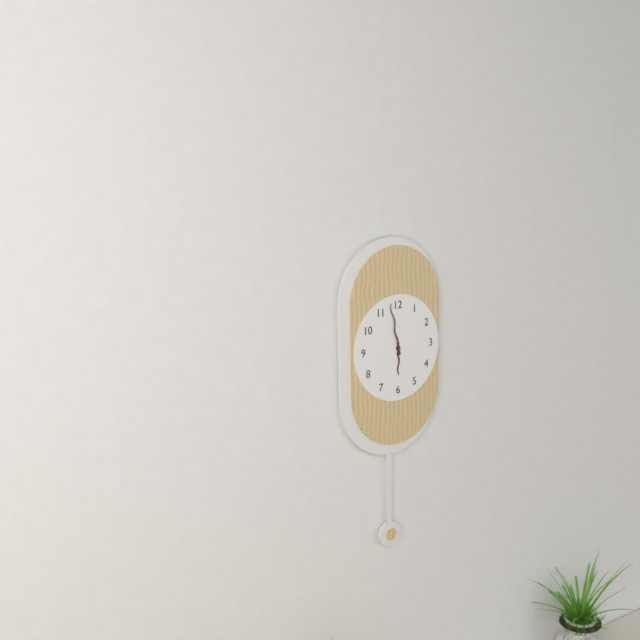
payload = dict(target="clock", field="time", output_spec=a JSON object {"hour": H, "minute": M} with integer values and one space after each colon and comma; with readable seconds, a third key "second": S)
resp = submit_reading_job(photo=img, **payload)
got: {"hour": 5, "minute": 58}
